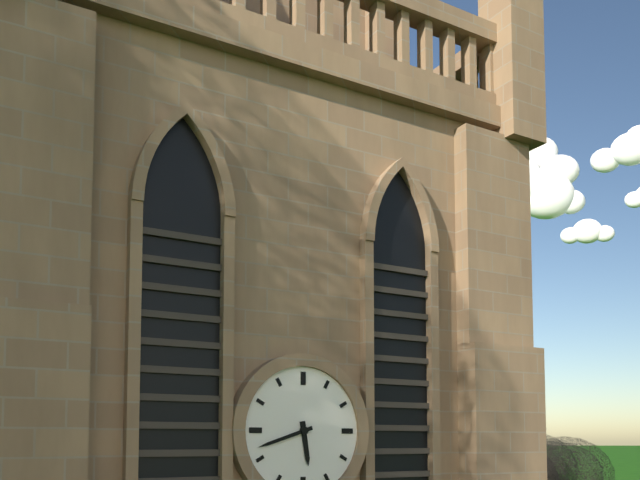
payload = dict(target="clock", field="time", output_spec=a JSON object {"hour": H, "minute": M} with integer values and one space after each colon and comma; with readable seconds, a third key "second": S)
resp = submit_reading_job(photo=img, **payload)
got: {"hour": 5, "minute": 42}
